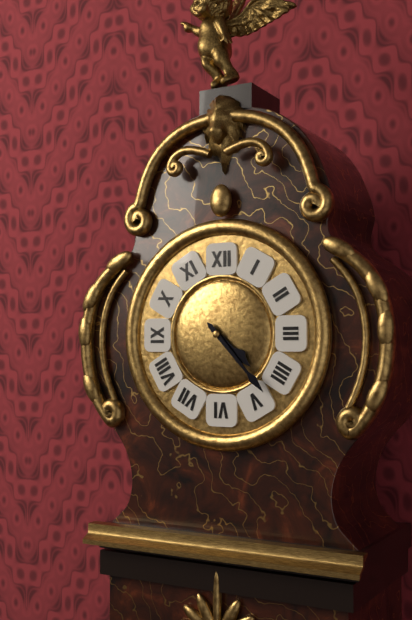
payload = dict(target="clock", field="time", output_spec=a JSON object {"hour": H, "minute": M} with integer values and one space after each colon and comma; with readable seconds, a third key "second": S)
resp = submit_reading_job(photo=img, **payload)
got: {"hour": 4, "minute": 23}
